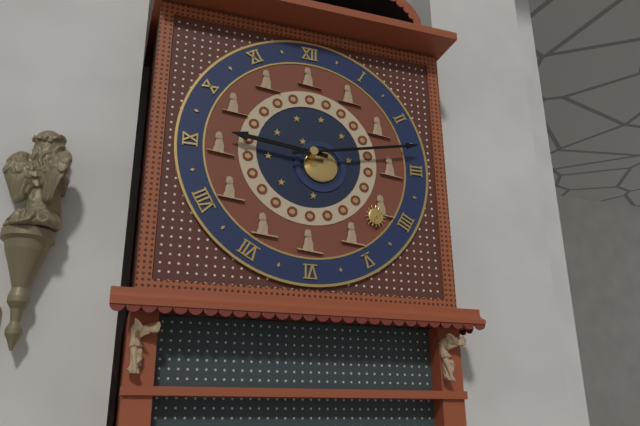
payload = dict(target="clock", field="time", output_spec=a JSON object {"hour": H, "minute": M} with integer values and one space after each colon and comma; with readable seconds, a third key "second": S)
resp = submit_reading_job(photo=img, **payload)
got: {"hour": 9, "minute": 13}
